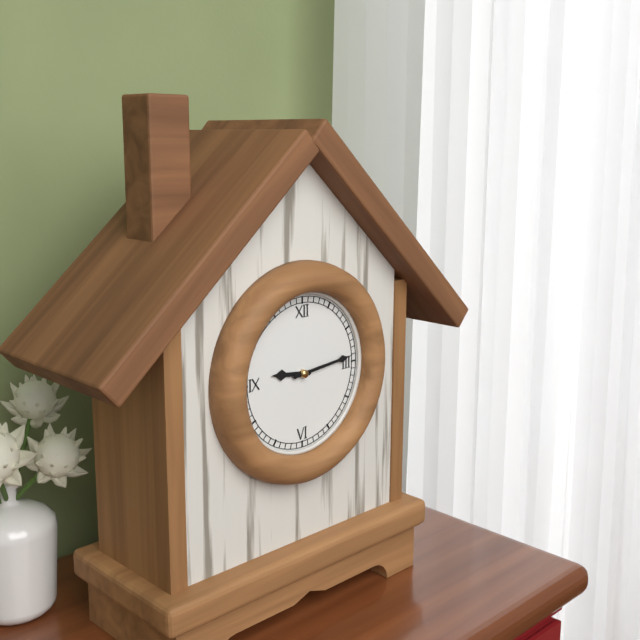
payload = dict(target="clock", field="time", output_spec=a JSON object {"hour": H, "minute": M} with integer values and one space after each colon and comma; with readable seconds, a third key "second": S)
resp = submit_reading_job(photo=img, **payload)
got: {"hour": 9, "minute": 14}
